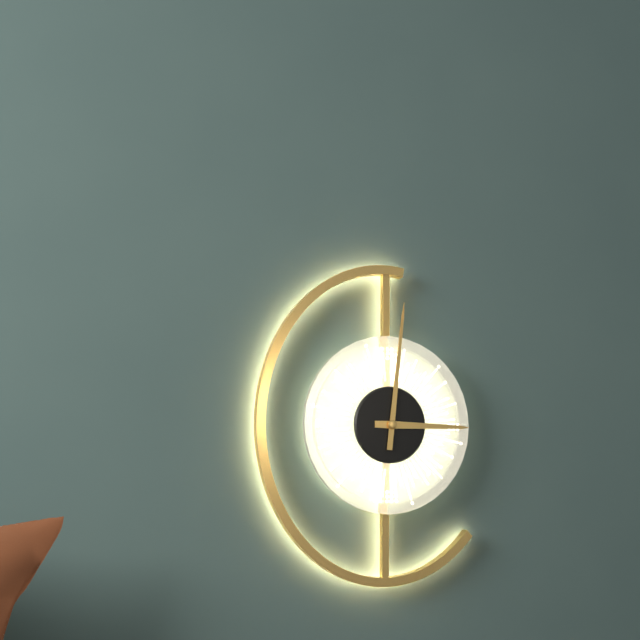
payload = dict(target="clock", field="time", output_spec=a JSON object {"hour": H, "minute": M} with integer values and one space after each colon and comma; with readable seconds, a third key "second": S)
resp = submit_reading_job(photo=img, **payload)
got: {"hour": 3, "minute": 1}
